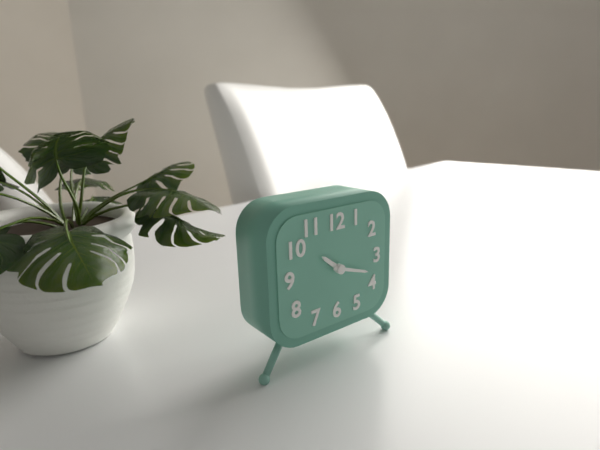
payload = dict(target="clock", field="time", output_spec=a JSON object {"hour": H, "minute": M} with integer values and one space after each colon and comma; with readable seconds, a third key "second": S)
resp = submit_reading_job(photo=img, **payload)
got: {"hour": 10, "minute": 18}
